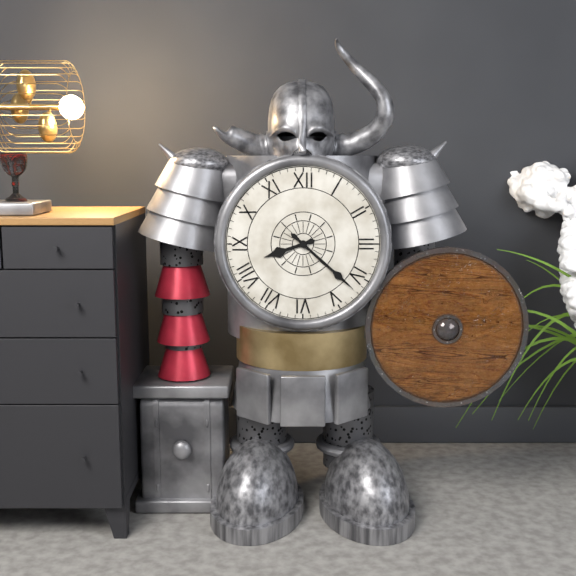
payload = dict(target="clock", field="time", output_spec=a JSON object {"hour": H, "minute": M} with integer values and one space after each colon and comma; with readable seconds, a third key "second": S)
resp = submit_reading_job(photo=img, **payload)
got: {"hour": 8, "minute": 22}
